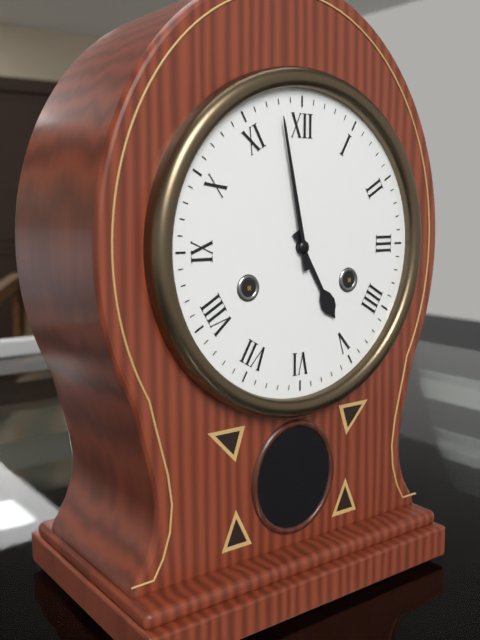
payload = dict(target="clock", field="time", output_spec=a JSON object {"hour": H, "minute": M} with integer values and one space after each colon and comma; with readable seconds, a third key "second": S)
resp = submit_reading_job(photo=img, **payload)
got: {"hour": 4, "minute": 58}
